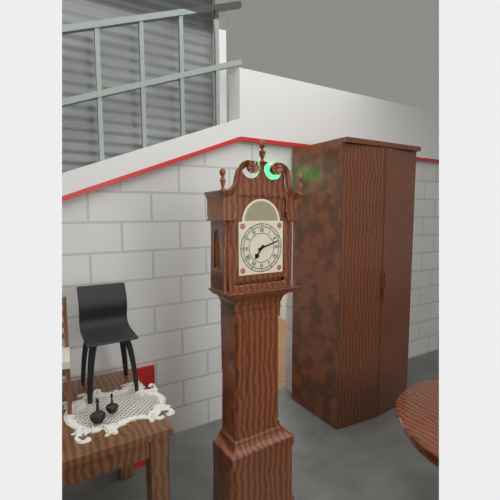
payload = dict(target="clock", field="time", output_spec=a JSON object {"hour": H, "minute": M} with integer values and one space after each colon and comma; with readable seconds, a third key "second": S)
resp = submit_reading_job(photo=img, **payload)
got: {"hour": 7, "minute": 12}
